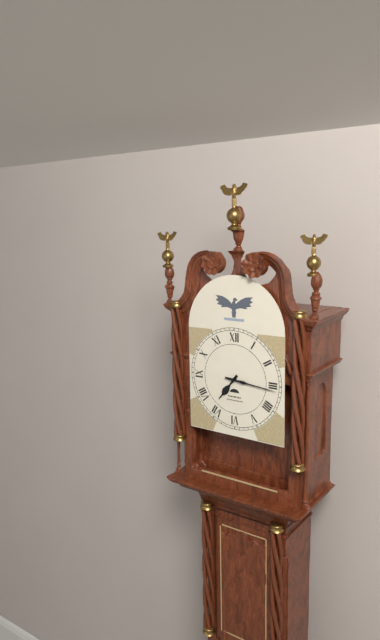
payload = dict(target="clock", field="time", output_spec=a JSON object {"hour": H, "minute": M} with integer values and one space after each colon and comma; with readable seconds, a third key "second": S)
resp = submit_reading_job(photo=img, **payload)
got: {"hour": 7, "minute": 16}
